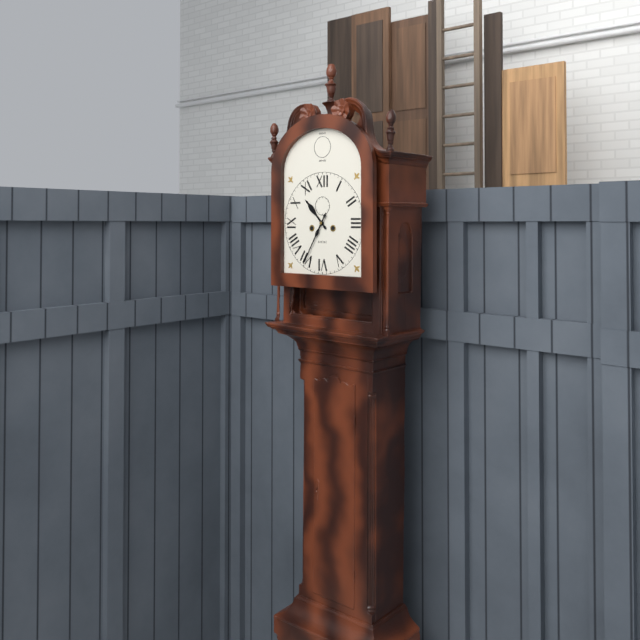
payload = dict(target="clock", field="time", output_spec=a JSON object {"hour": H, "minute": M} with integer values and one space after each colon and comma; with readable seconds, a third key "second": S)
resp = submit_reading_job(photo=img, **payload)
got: {"hour": 10, "minute": 35}
